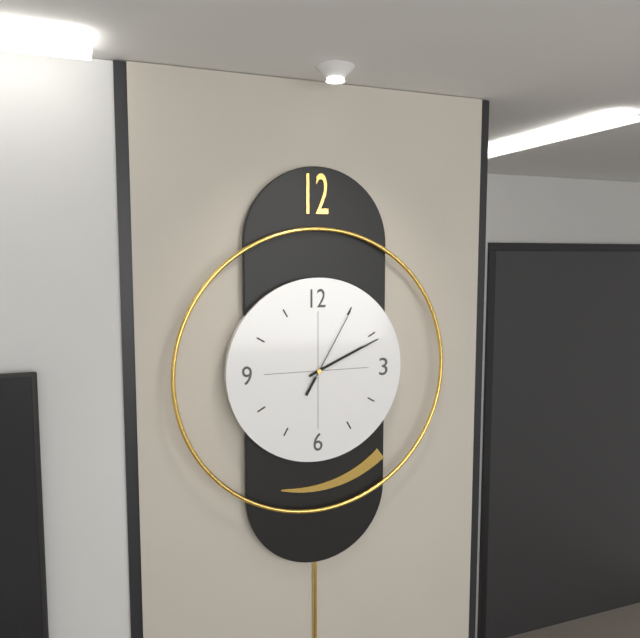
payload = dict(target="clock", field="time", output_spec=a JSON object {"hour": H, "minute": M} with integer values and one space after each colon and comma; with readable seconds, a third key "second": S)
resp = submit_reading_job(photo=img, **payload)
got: {"hour": 2, "minute": 11, "second": 5}
